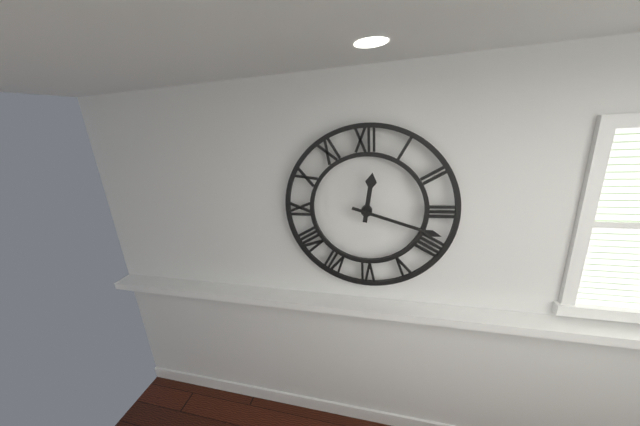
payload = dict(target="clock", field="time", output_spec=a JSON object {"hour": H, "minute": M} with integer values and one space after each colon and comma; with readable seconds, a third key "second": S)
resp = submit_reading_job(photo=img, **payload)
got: {"hour": 12, "minute": 18}
